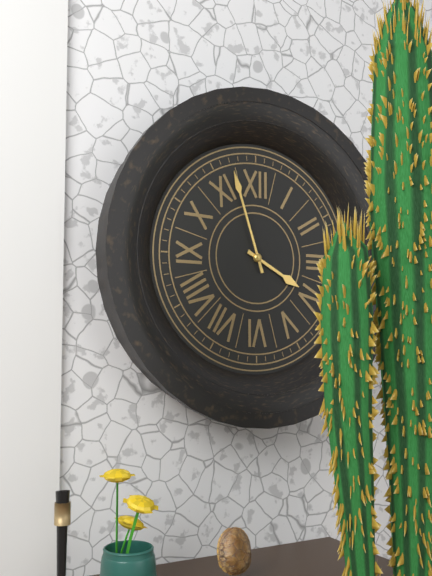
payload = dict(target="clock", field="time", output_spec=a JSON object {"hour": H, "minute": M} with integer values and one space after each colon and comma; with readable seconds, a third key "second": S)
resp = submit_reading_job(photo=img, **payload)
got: {"hour": 3, "minute": 57}
